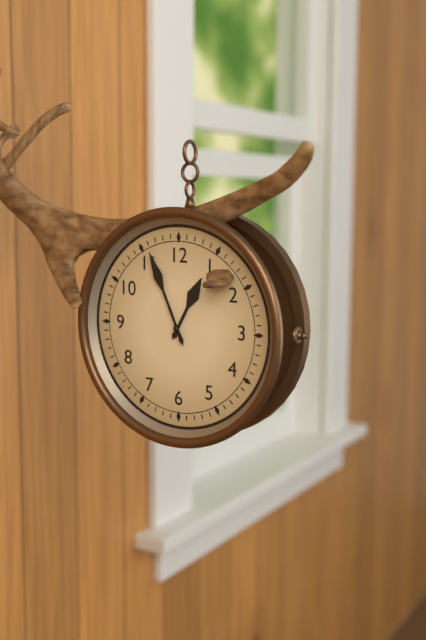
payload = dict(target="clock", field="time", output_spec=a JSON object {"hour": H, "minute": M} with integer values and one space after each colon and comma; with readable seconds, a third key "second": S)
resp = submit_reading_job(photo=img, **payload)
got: {"hour": 12, "minute": 56}
